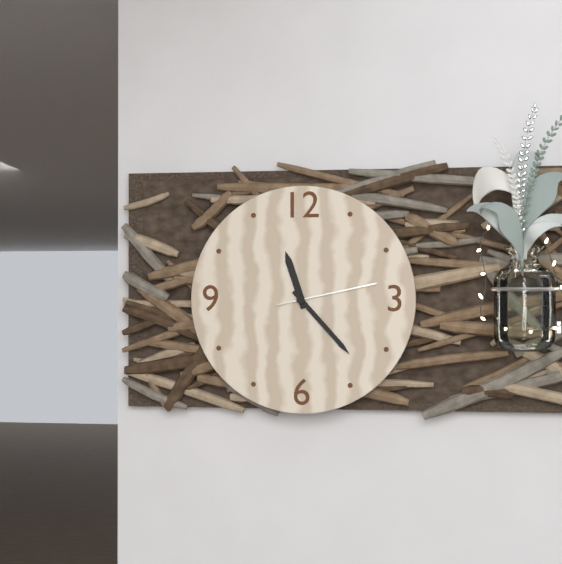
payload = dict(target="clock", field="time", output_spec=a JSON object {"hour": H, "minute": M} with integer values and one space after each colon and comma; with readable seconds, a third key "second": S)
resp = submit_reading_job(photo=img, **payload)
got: {"hour": 11, "minute": 23, "second": 13}
